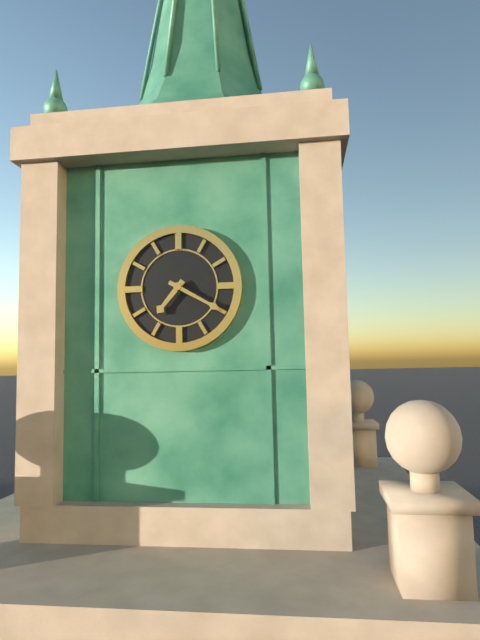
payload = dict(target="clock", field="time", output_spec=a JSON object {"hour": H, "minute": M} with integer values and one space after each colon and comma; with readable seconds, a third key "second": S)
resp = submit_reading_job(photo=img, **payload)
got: {"hour": 7, "minute": 20}
